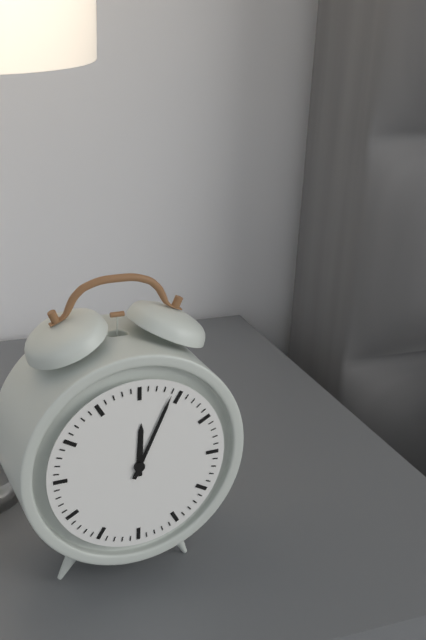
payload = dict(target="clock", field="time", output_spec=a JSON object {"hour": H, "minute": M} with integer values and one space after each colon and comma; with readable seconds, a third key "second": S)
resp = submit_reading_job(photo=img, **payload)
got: {"hour": 12, "minute": 4}
